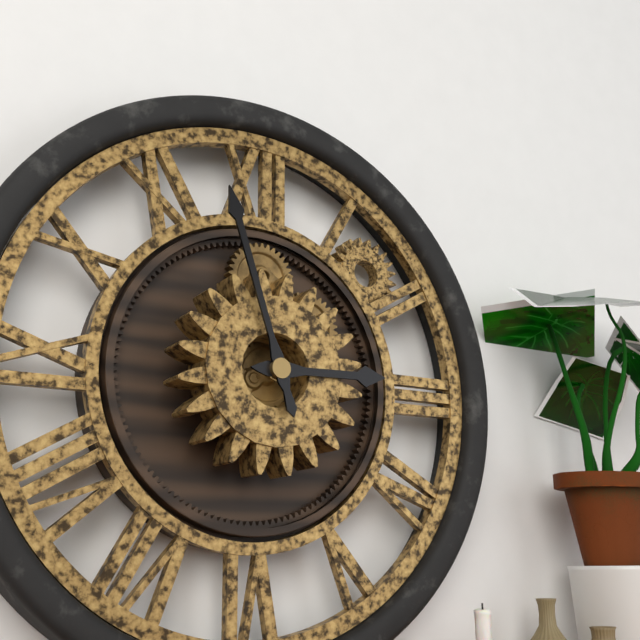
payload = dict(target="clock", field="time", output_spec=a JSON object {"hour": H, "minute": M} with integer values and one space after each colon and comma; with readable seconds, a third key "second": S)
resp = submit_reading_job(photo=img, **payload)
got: {"hour": 2, "minute": 57}
